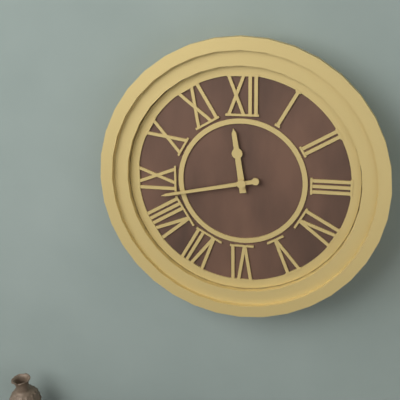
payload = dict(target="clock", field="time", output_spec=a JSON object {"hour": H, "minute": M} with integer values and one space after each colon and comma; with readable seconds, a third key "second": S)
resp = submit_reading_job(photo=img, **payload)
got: {"hour": 11, "minute": 43}
